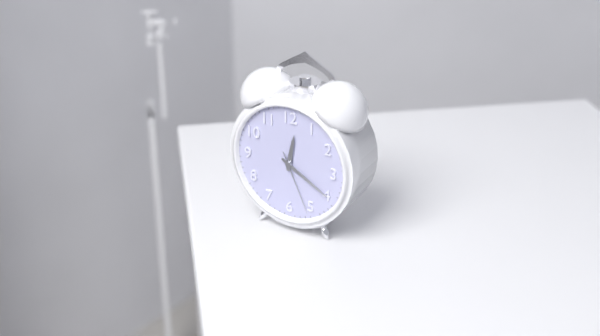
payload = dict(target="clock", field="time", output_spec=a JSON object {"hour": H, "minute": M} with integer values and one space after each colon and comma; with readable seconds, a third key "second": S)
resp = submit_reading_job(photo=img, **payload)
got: {"hour": 12, "minute": 20, "second": 26}
